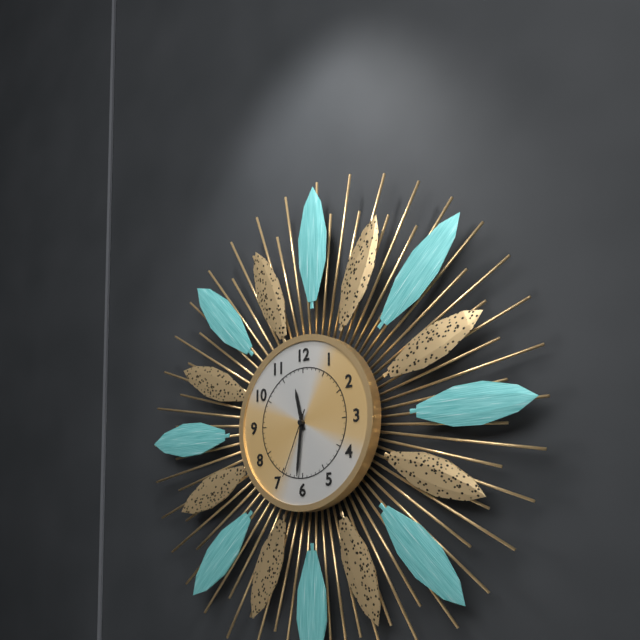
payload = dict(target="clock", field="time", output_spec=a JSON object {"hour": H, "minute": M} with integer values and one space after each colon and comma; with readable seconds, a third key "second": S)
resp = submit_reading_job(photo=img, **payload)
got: {"hour": 11, "minute": 31, "second": 34}
